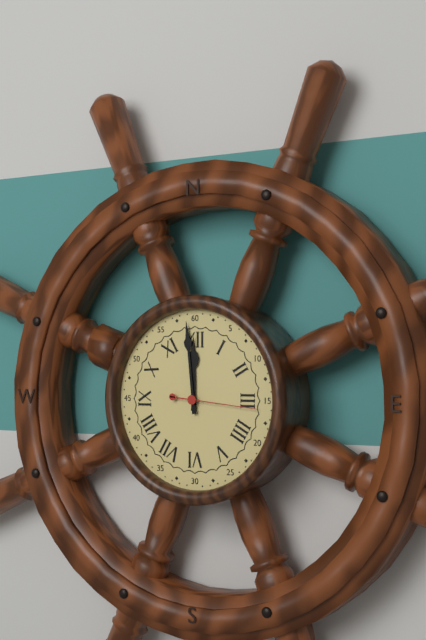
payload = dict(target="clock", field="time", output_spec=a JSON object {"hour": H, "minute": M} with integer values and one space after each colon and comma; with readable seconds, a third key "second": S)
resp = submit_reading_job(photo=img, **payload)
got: {"hour": 11, "minute": 59, "second": 16}
